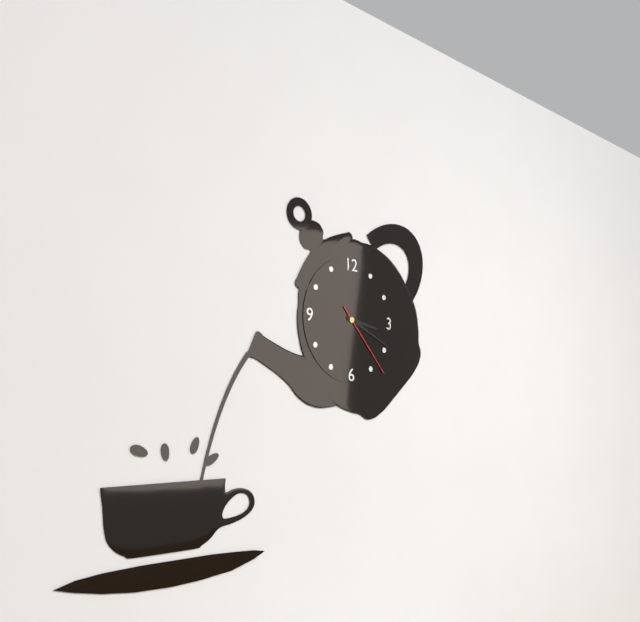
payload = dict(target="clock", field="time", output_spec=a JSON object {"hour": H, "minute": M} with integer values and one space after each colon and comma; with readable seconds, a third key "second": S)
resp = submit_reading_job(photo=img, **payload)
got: {"hour": 3, "minute": 19, "second": 23}
